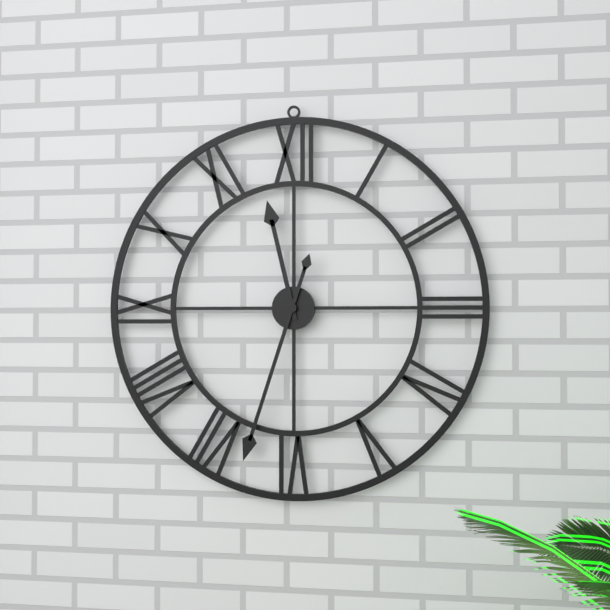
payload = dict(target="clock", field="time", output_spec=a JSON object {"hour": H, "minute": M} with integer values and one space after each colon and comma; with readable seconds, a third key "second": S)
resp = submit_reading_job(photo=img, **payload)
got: {"hour": 11, "minute": 33}
